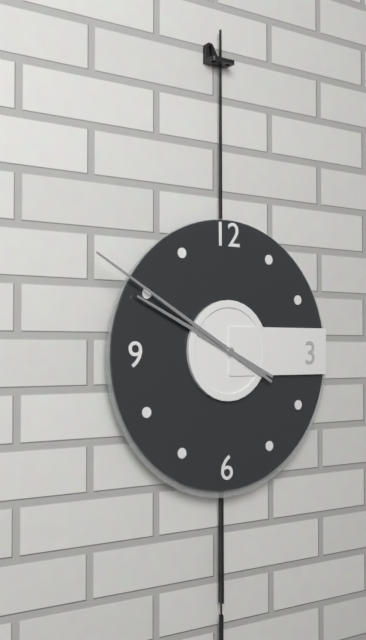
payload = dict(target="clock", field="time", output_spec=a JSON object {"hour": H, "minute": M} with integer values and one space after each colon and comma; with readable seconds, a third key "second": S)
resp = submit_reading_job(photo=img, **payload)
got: {"hour": 9, "minute": 50}
